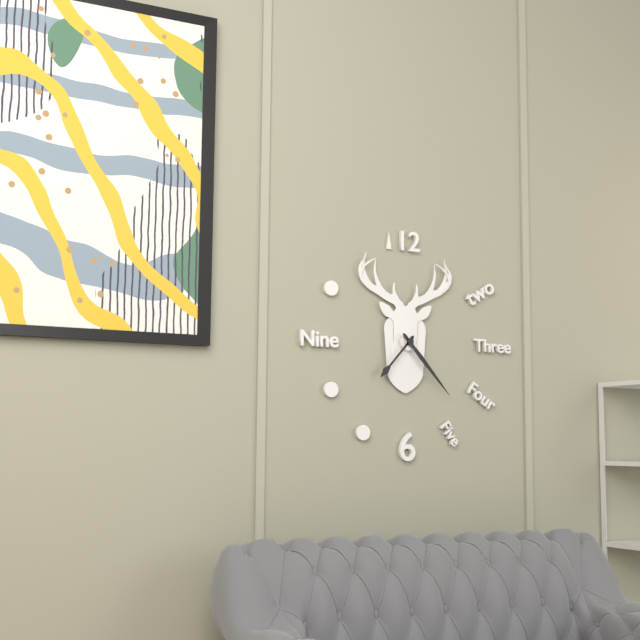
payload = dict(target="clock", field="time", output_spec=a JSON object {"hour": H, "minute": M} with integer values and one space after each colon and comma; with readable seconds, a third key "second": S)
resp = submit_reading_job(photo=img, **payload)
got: {"hour": 7, "minute": 23}
